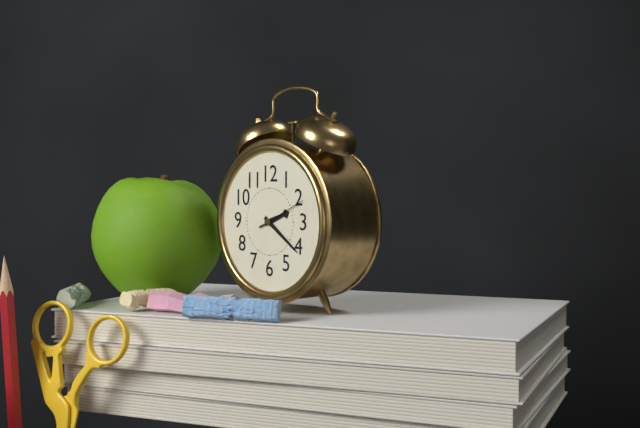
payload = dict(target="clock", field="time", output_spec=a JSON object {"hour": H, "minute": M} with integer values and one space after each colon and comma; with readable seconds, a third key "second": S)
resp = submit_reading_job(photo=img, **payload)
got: {"hour": 2, "minute": 21}
